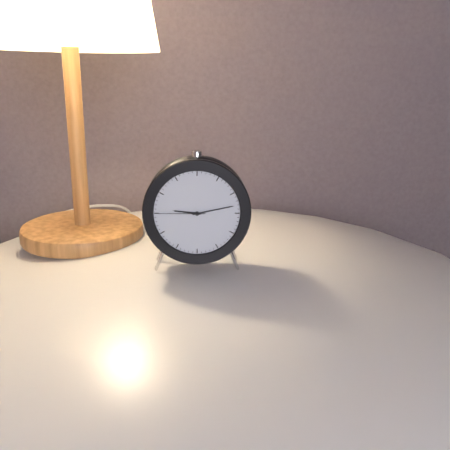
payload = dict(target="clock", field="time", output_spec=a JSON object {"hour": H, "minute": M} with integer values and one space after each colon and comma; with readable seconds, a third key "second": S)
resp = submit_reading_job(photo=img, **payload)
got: {"hour": 9, "minute": 13, "second": 45}
